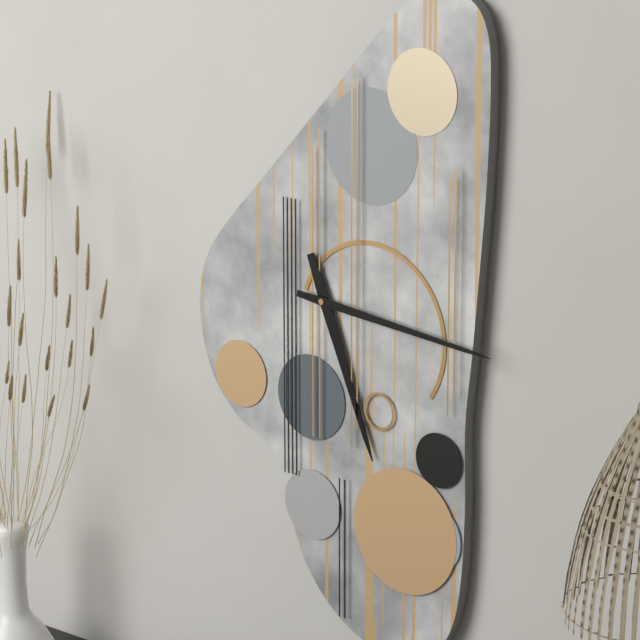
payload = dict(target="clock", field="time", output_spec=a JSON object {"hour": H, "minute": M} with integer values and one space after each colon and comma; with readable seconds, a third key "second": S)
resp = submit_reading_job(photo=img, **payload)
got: {"hour": 5, "minute": 16}
